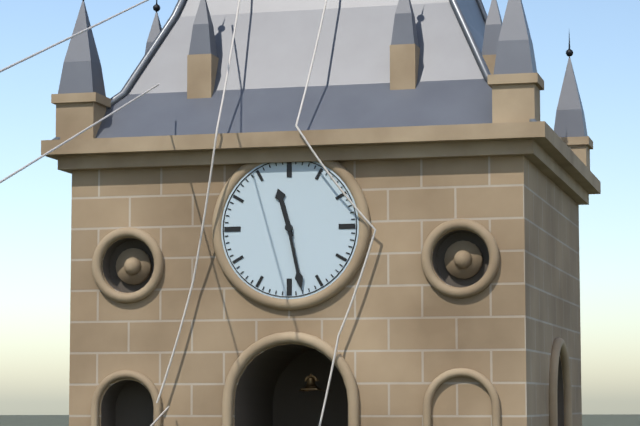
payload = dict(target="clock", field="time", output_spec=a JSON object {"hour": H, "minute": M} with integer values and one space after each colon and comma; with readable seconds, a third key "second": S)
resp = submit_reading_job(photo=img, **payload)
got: {"hour": 11, "minute": 28}
